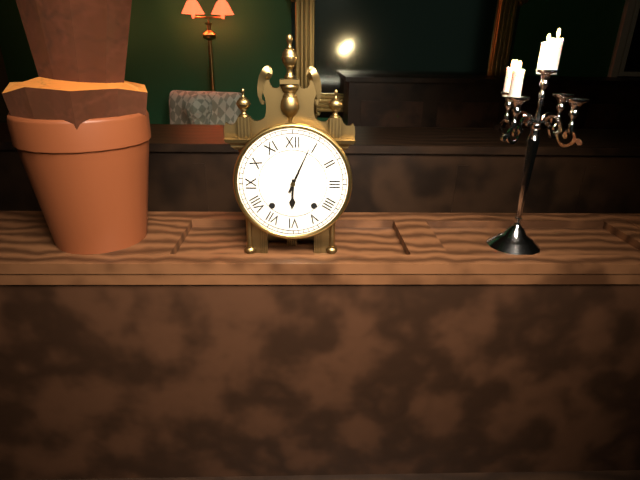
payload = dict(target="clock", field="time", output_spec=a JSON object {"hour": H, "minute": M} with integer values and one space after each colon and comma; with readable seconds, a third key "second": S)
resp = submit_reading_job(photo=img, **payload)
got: {"hour": 6, "minute": 4}
